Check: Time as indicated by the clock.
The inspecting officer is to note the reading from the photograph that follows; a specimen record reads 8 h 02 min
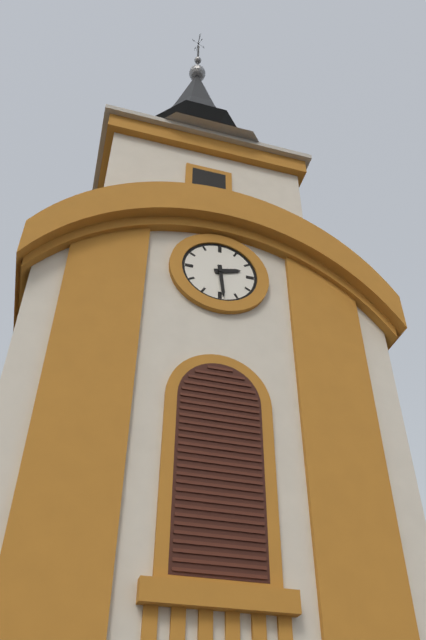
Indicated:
2 h 29 min
